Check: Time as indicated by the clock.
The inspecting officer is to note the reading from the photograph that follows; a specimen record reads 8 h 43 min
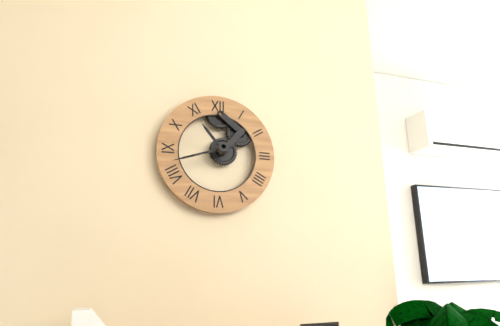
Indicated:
10 h 42 min
